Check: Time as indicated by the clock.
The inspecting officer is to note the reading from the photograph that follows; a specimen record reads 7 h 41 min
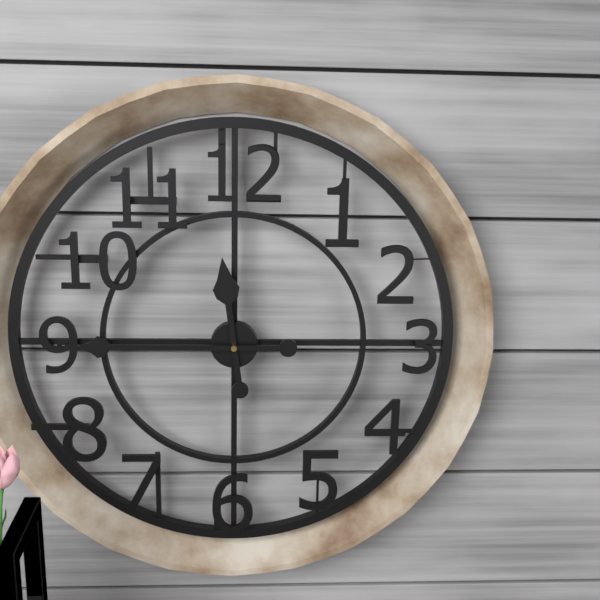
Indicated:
11 h 45 min
